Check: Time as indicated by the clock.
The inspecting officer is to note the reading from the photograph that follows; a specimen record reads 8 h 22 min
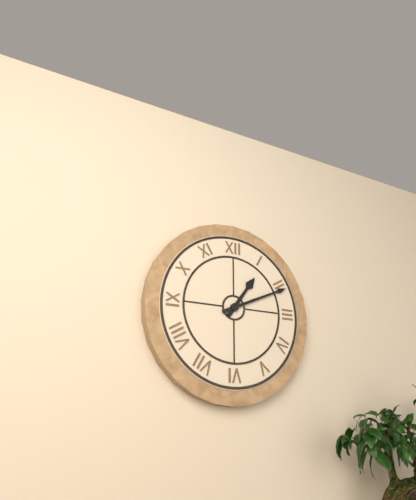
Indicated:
1 h 11 min
